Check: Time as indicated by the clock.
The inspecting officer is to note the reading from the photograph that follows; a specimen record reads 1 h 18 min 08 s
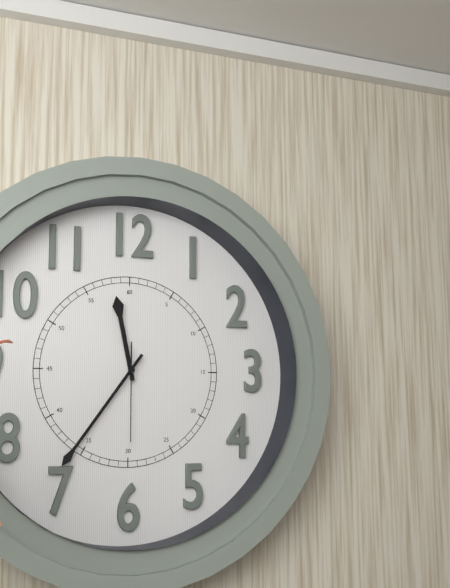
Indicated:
11 h 36 min 30 s
